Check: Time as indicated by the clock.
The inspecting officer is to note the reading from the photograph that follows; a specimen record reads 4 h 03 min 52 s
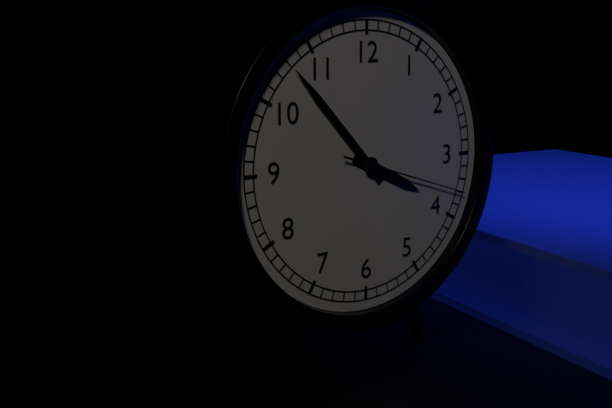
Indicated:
3 h 53 min 18 s
